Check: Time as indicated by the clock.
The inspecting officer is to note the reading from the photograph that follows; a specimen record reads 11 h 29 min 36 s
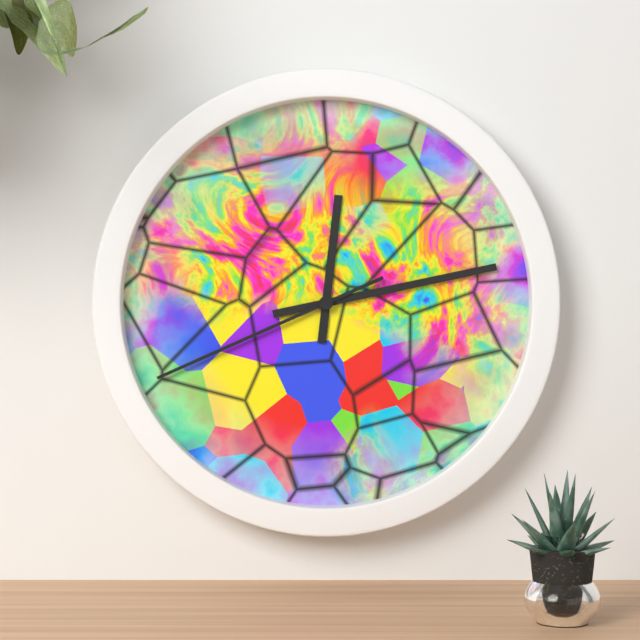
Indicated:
12 h 13 min 41 s
